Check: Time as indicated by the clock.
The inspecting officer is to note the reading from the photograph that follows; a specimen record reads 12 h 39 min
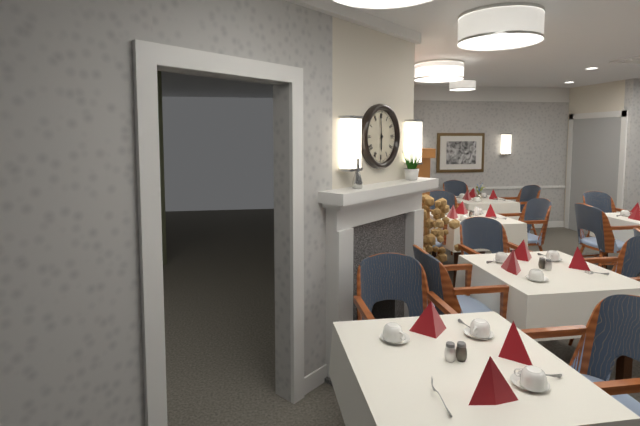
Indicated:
5 h 59 min
